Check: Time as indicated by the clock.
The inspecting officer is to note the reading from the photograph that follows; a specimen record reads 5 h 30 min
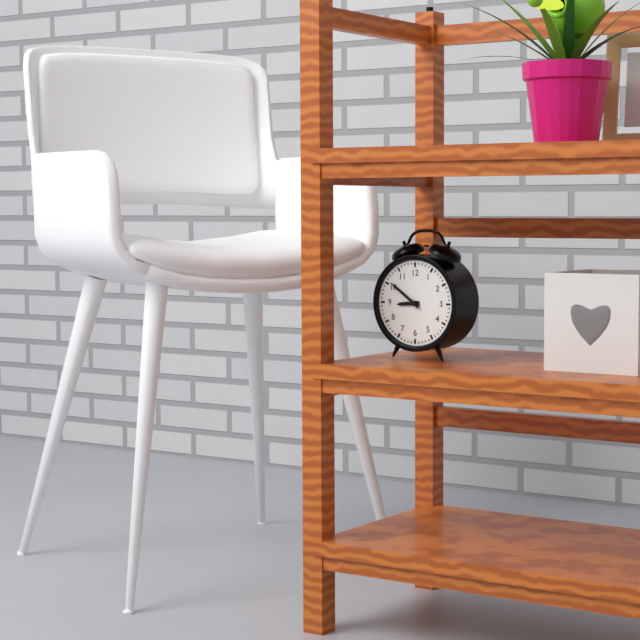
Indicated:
8 h 51 min
